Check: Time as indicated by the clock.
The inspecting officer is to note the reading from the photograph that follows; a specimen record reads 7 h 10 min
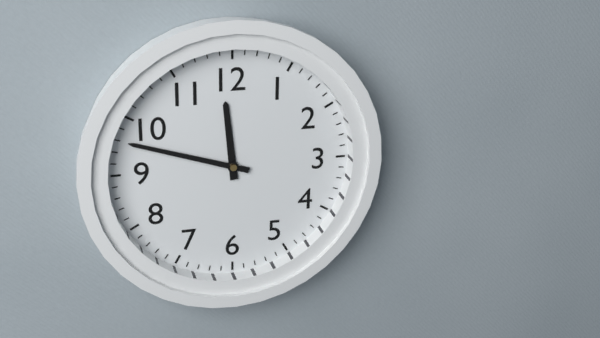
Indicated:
11 h 48 min
